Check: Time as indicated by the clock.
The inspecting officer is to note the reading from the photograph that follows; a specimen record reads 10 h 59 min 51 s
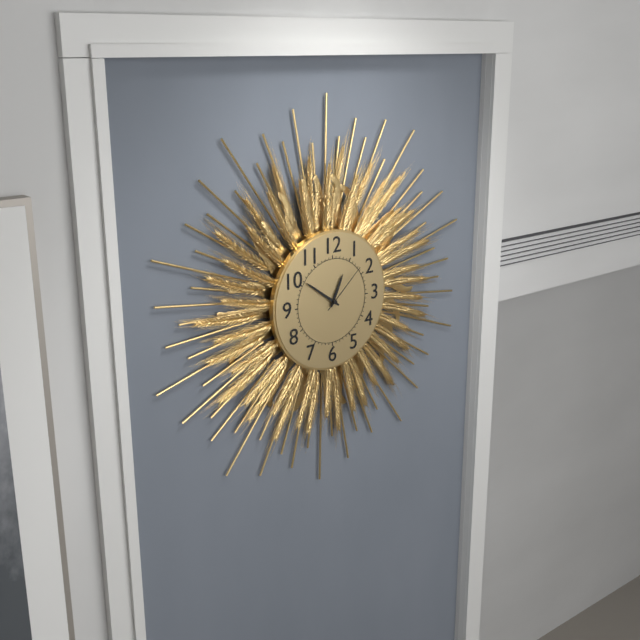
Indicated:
12 h 51 min 08 s
